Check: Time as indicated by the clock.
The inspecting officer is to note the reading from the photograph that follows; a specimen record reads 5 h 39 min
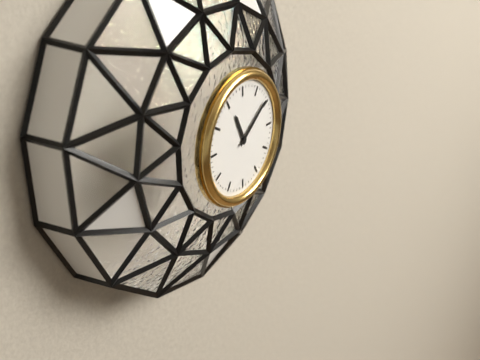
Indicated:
11 h 09 min
